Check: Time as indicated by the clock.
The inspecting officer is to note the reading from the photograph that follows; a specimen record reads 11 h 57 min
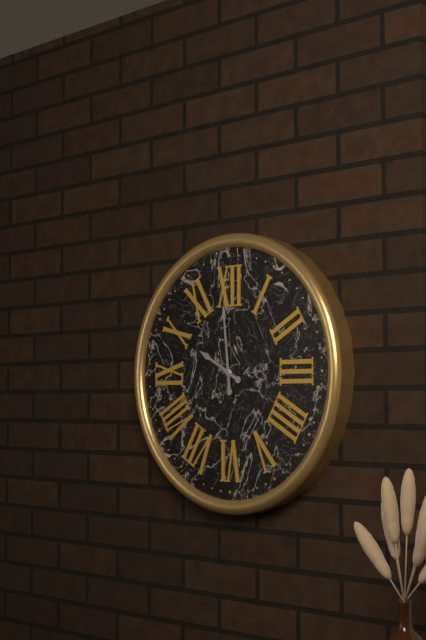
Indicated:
9 h 59 min
